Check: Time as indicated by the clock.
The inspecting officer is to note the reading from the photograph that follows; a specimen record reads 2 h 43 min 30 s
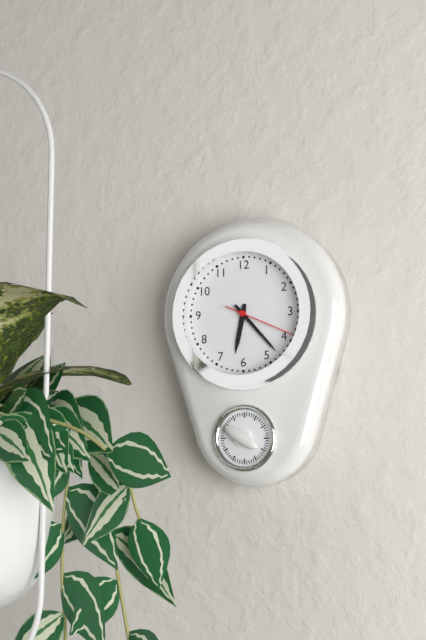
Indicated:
6 h 23 min 19 s
